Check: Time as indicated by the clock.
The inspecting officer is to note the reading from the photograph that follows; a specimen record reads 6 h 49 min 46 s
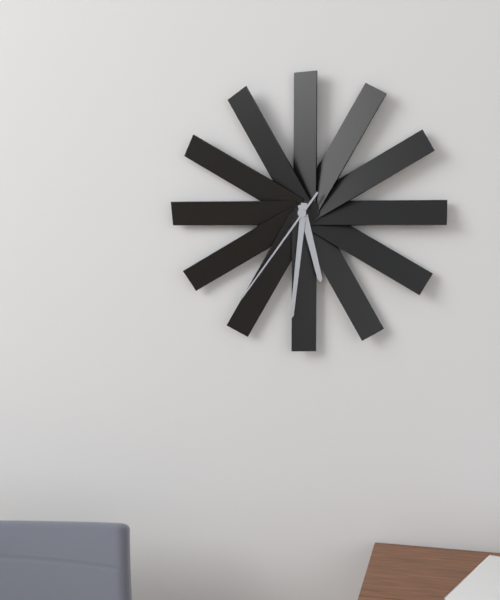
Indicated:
5 h 31 min 36 s
